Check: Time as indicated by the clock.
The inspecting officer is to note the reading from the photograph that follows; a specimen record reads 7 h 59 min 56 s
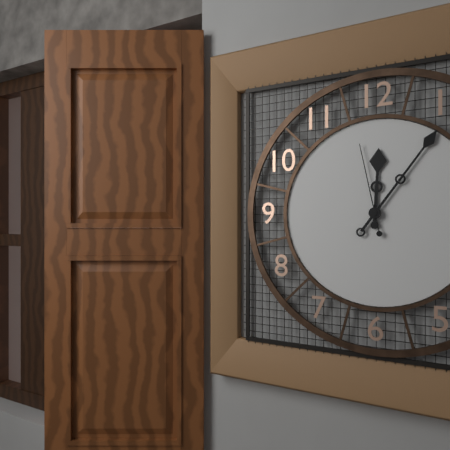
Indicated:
12 h 06 min 58 s
